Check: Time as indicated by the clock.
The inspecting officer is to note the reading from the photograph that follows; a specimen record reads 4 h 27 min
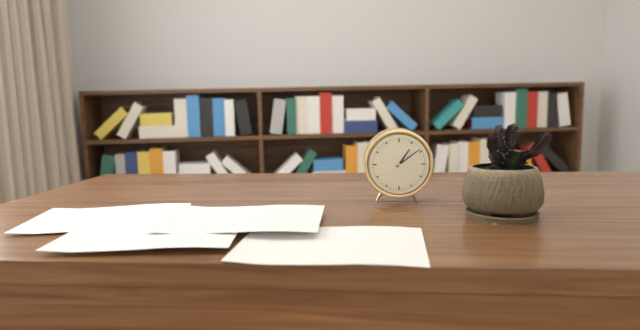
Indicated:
1 h 09 min
